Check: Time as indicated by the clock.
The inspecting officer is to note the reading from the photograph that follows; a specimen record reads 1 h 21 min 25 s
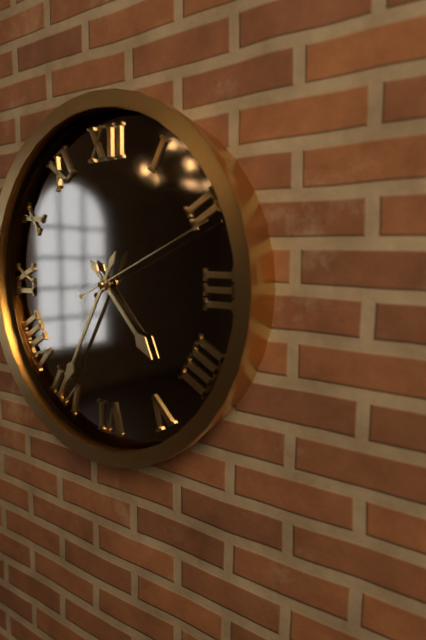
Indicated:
4 h 35 min 11 s
